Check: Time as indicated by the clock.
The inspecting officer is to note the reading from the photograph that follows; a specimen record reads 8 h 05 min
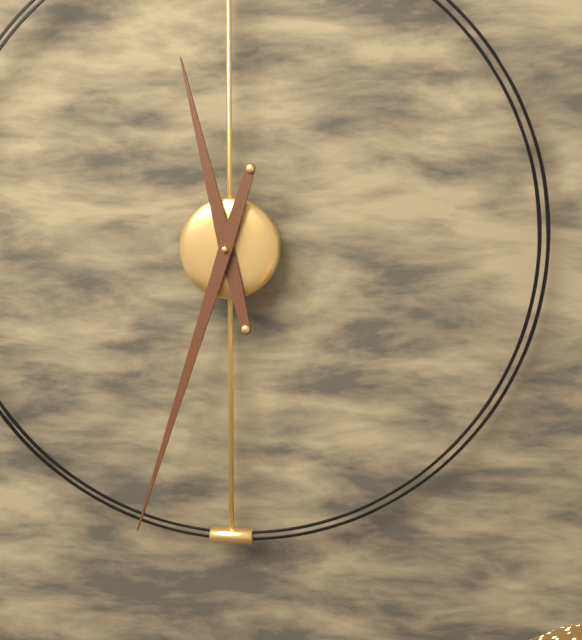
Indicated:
11 h 33 min
